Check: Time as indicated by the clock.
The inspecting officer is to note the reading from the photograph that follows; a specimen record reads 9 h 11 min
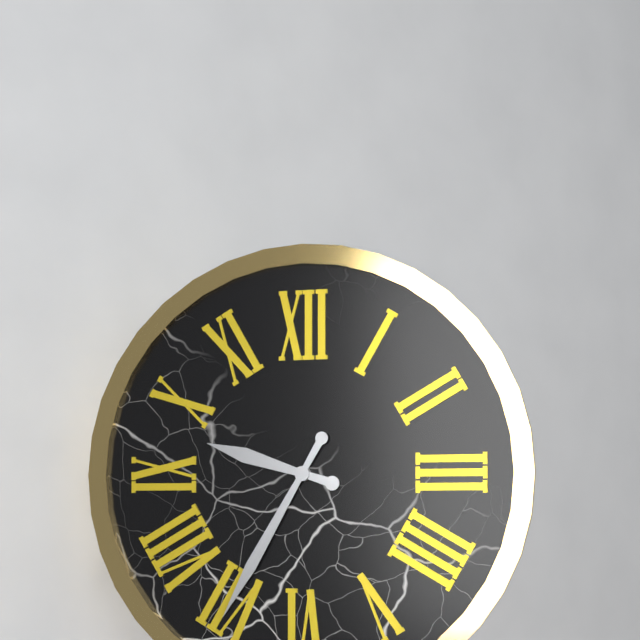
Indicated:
9 h 35 min
